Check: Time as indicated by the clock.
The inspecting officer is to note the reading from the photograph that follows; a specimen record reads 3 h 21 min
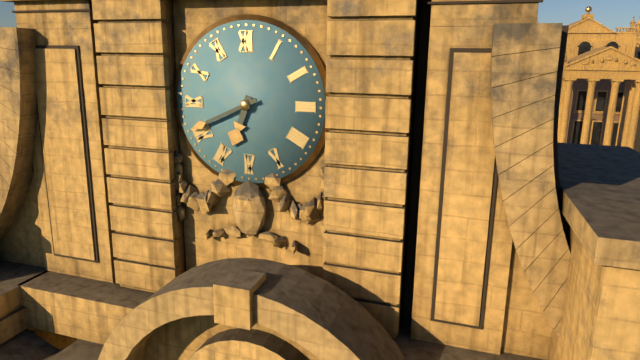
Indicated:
6 h 41 min
